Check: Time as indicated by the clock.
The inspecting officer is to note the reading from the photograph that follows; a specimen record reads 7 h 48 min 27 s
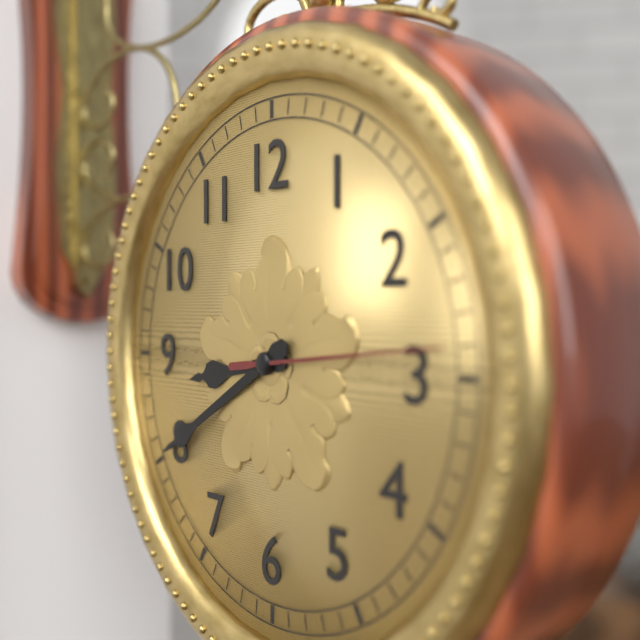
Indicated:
8 h 40 min 14 s
